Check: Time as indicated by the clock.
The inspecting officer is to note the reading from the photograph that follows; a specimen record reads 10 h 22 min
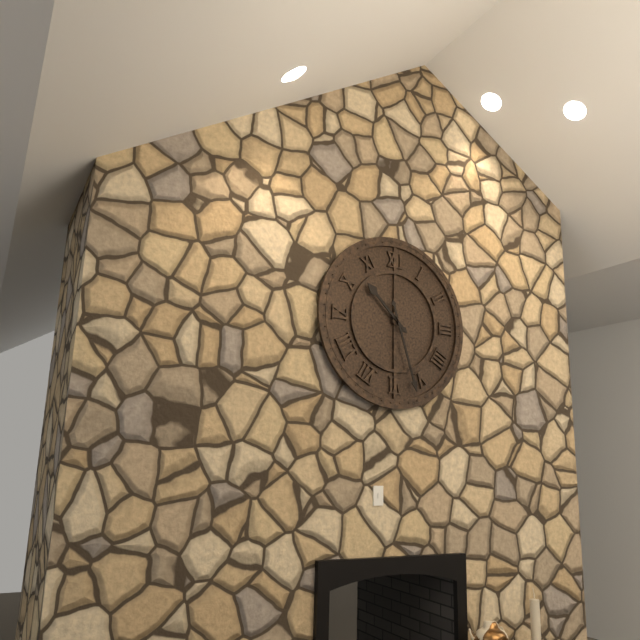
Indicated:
10 h 27 min
